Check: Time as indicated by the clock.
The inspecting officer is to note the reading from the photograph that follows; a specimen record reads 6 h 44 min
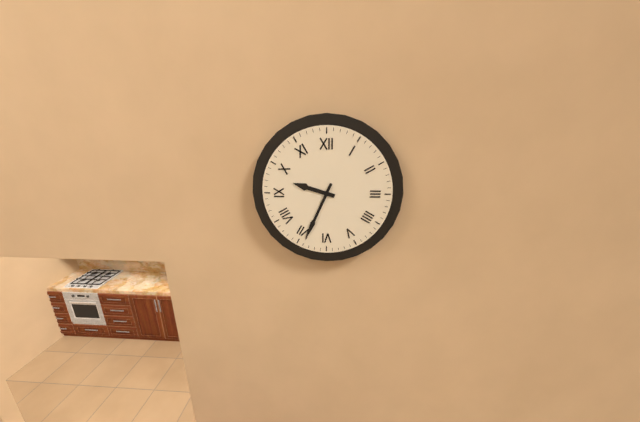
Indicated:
9 h 34 min
